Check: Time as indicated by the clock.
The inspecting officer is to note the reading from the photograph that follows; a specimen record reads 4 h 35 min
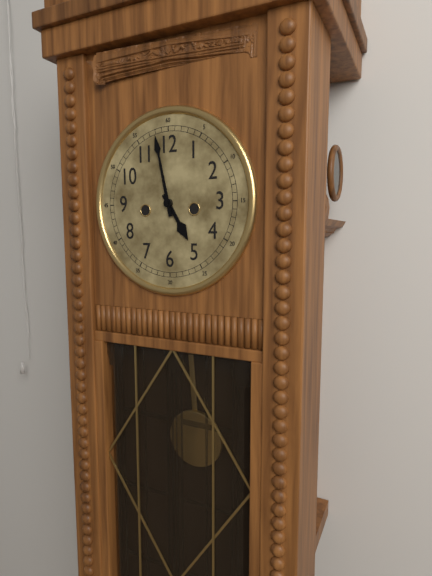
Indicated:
4 h 58 min
